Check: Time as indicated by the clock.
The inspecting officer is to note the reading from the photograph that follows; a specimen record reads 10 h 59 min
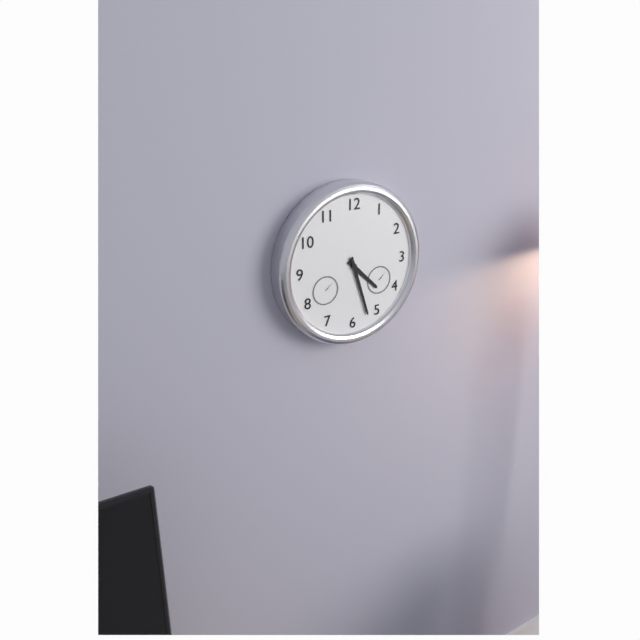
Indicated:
4 h 27 min
